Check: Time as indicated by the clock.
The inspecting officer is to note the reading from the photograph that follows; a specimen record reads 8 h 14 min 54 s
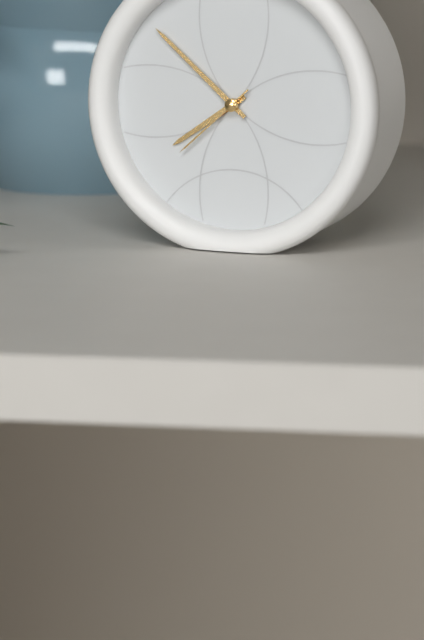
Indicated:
7 h 52 min 38 s
